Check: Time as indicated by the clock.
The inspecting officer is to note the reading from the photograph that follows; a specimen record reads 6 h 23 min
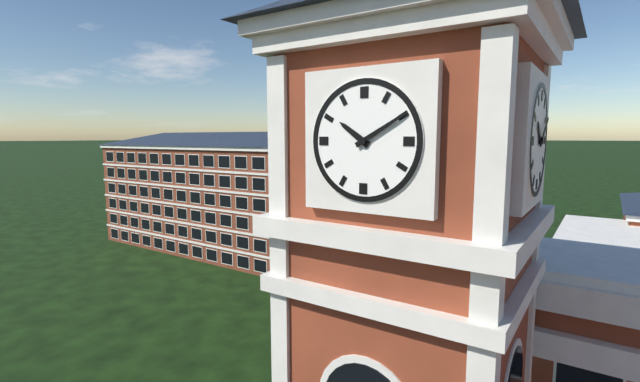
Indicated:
10 h 10 min
